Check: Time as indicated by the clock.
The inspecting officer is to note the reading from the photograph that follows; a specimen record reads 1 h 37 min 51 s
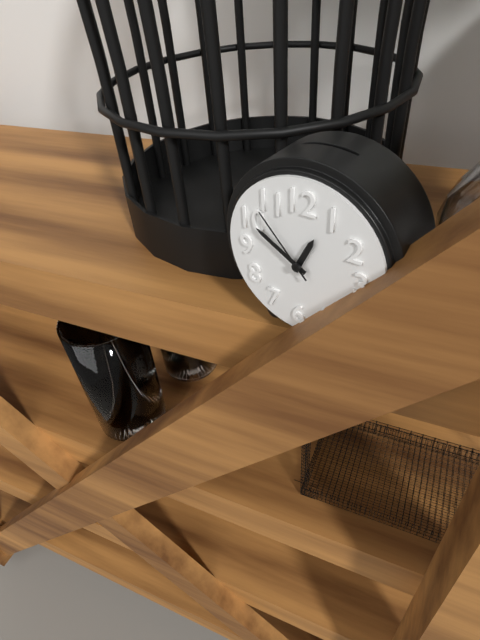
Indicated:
12 h 50 min 53 s
